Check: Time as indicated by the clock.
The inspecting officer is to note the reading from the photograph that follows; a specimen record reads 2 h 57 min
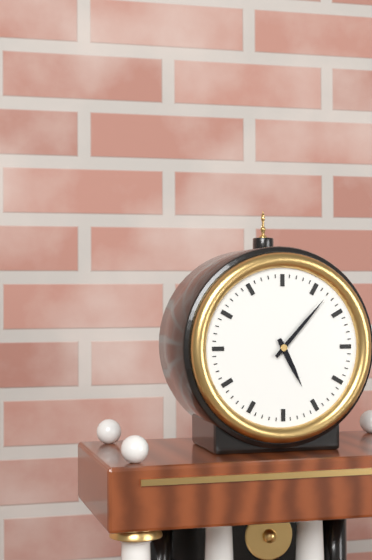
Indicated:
5 h 07 min
